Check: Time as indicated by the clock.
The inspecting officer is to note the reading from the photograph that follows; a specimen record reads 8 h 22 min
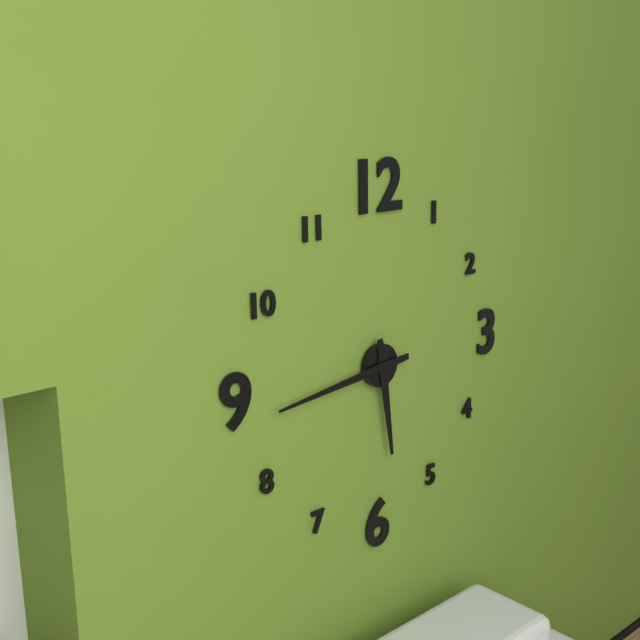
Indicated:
5 h 44 min
